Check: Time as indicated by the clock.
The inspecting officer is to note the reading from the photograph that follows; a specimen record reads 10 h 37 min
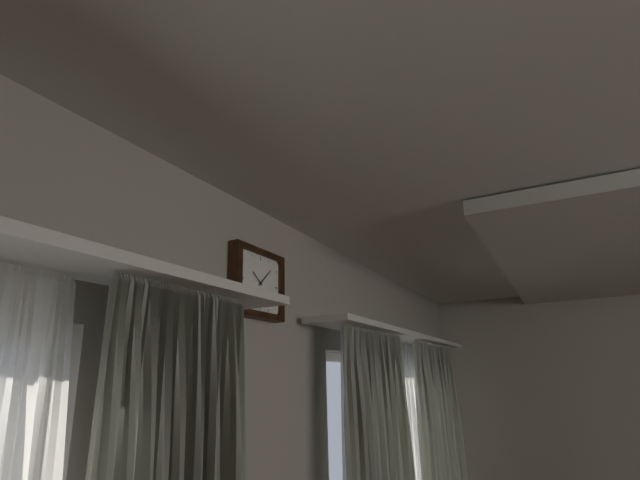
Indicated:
10 h 08 min
